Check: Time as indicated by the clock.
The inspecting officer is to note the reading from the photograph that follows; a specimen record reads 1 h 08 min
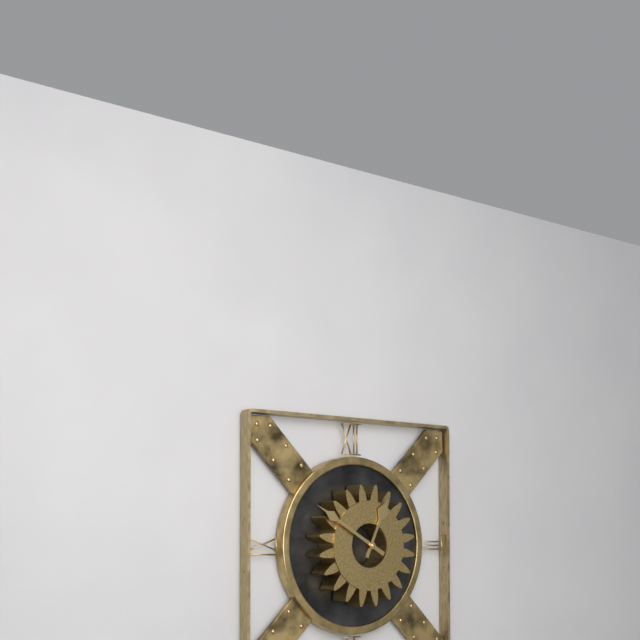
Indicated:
12 h 50 min
